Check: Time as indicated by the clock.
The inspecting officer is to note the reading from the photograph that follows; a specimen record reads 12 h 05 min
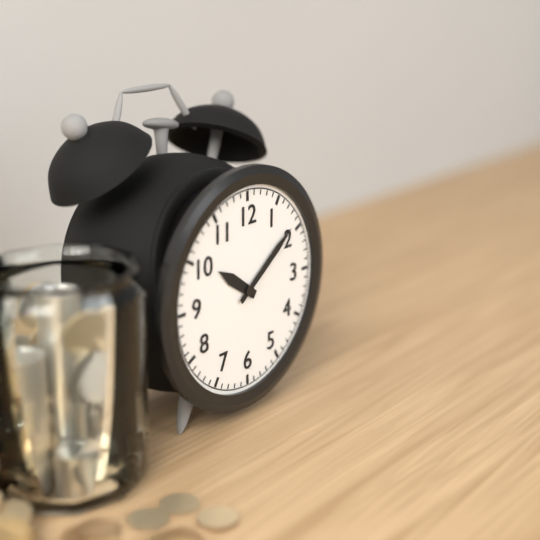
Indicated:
10 h 09 min
